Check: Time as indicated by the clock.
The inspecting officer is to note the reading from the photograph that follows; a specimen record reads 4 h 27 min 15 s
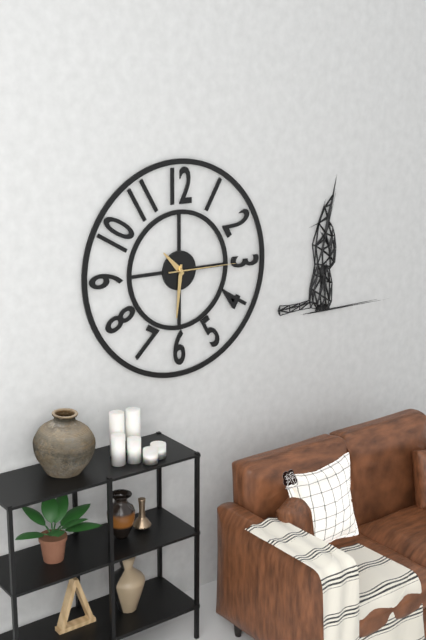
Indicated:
10 h 31 min 15 s
